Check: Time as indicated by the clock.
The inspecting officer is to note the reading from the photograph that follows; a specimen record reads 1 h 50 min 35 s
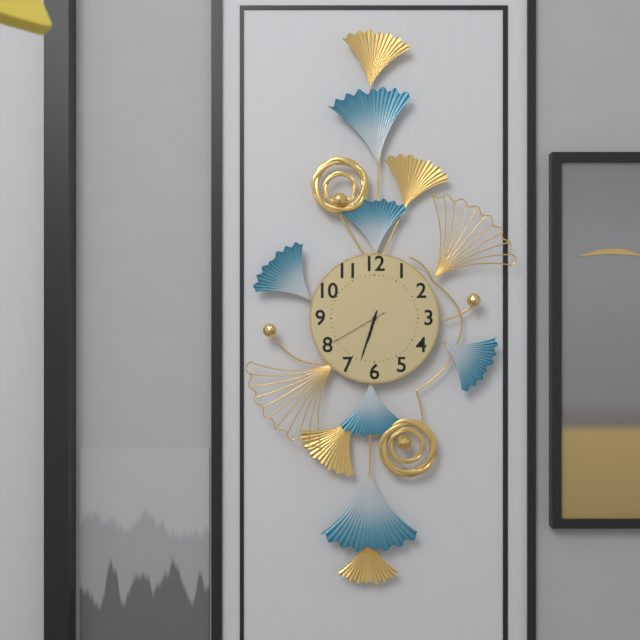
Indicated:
6 h 33 min 40 s
